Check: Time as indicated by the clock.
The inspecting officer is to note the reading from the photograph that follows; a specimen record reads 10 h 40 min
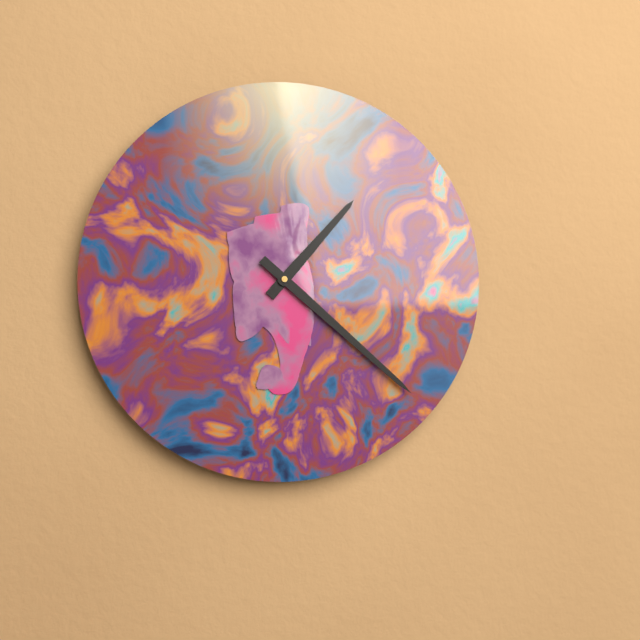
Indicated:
1 h 22 min
